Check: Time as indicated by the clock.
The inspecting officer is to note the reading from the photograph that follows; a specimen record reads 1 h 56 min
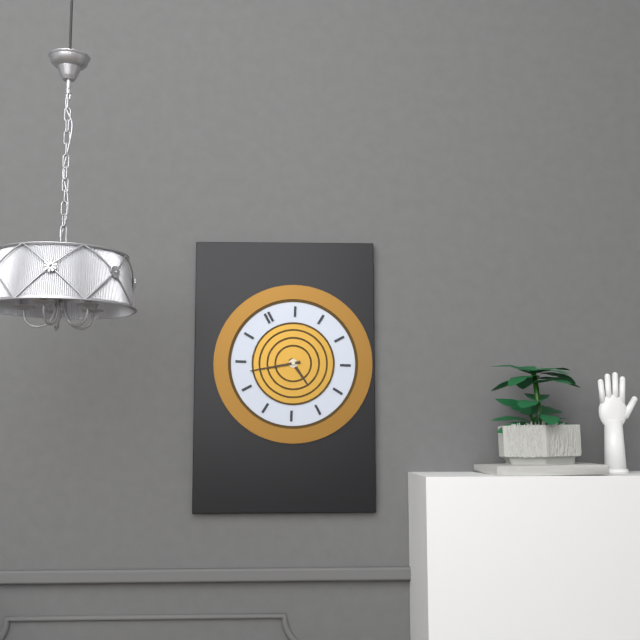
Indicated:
5 h 48 min
